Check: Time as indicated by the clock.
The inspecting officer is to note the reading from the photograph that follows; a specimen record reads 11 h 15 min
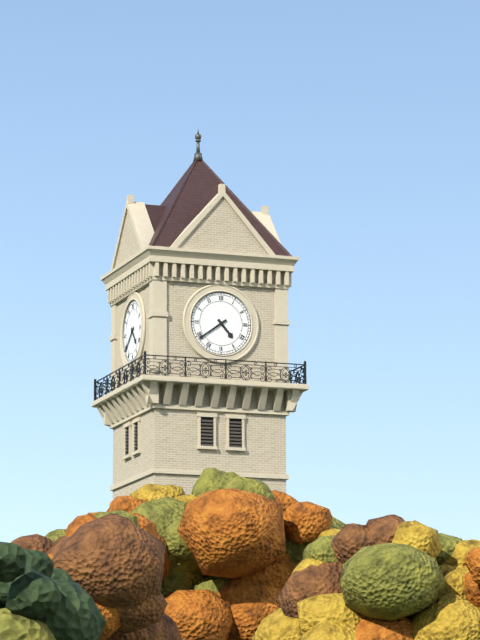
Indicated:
4 h 39 min
